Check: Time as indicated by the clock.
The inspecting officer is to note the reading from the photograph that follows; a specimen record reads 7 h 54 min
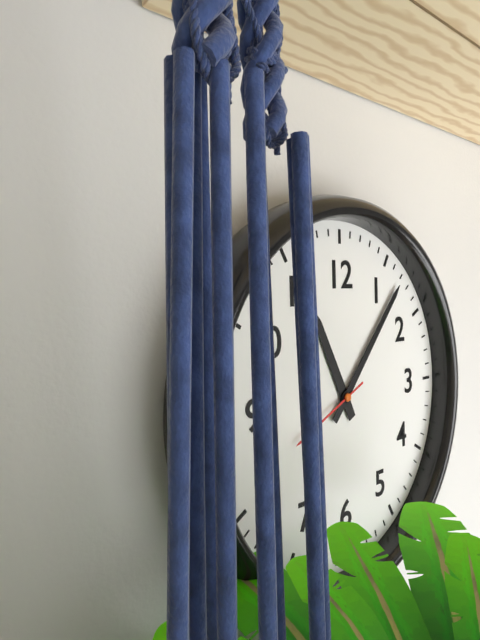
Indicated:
11 h 07 min
